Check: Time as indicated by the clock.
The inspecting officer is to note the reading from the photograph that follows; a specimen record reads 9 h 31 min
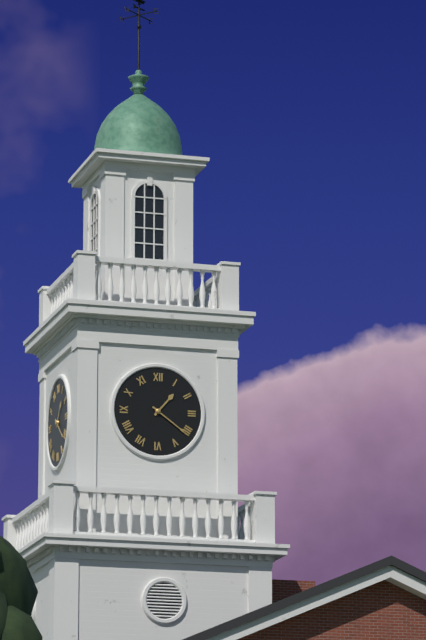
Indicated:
1 h 21 min
